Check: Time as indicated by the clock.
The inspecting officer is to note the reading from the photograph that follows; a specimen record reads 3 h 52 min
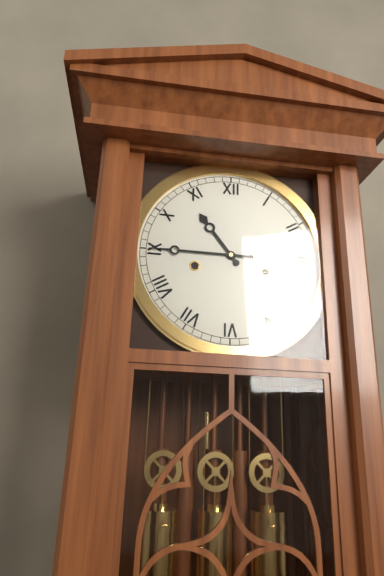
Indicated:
10 h 45 min
